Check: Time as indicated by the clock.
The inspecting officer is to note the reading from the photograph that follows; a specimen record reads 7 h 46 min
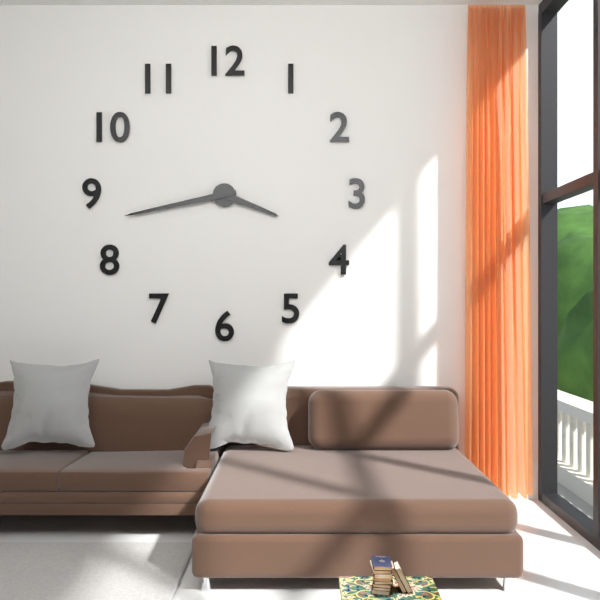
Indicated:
3 h 43 min
